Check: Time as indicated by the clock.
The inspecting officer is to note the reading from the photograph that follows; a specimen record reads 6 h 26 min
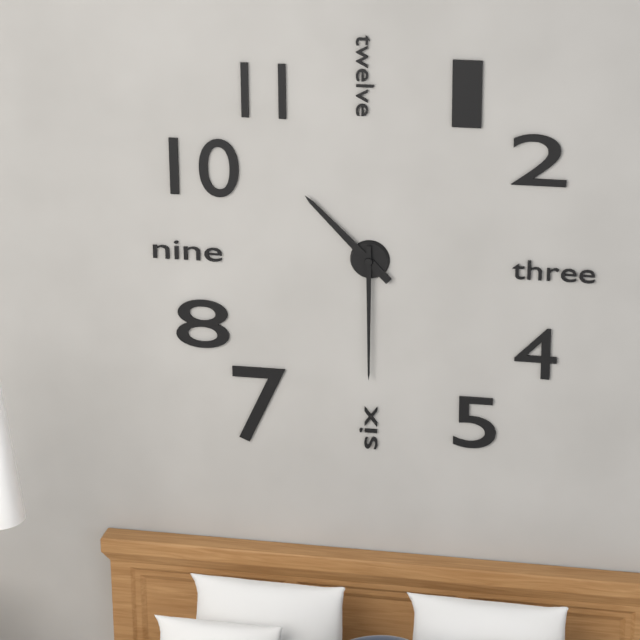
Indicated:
10 h 30 min
